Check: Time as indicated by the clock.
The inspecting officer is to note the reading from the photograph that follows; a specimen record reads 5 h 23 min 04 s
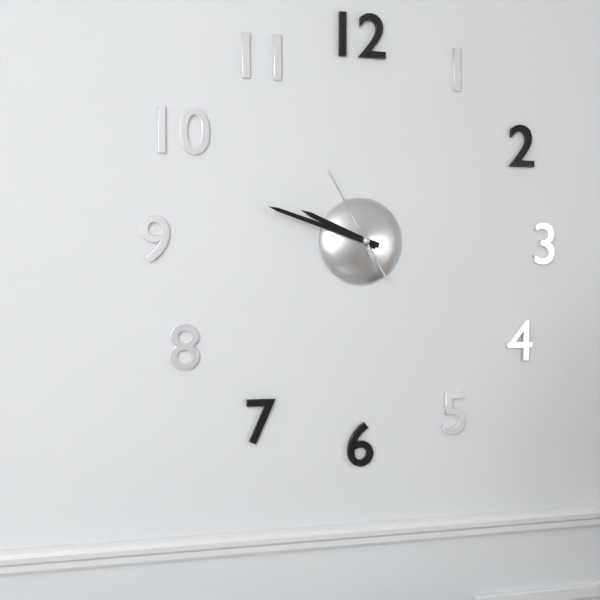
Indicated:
9 h 48 min 55 s
